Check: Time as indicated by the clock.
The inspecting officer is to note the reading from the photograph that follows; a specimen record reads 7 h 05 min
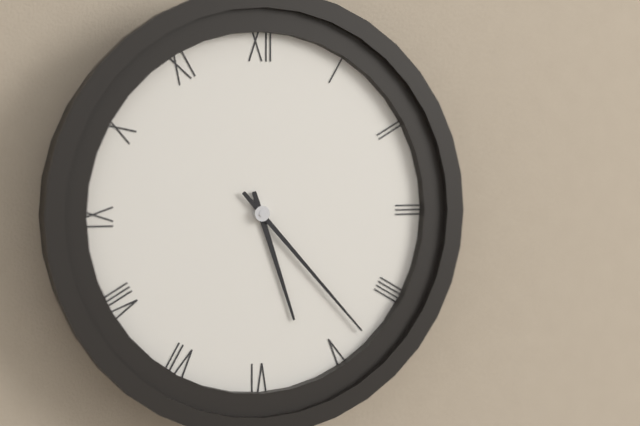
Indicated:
5 h 23 min
